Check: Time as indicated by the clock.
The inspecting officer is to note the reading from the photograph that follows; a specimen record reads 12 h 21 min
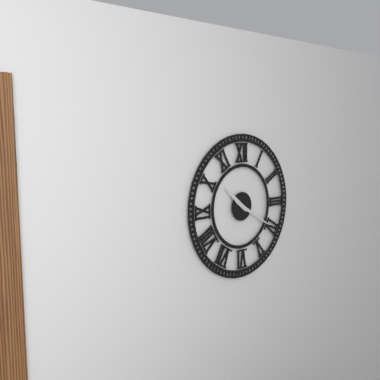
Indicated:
10 h 20 min
